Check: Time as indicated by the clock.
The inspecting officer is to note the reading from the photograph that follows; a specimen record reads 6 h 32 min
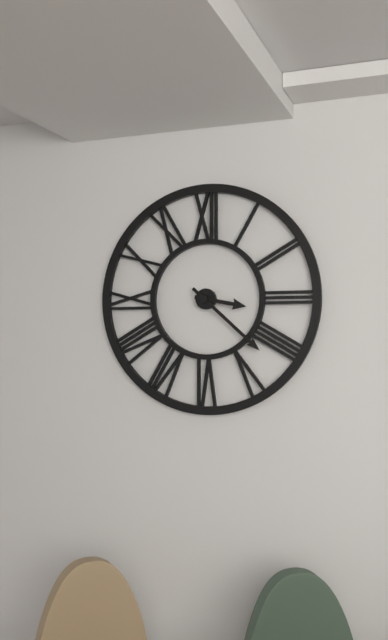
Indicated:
3 h 22 min
